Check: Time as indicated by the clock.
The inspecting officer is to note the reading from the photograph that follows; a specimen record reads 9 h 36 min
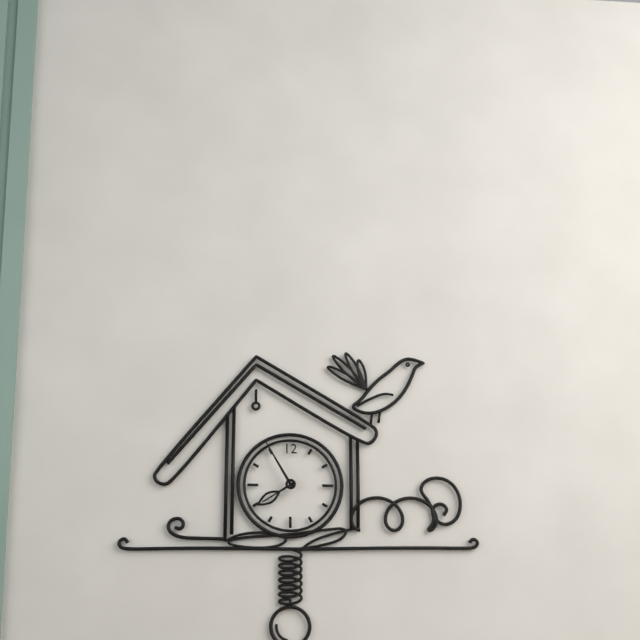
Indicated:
7 h 55 min
